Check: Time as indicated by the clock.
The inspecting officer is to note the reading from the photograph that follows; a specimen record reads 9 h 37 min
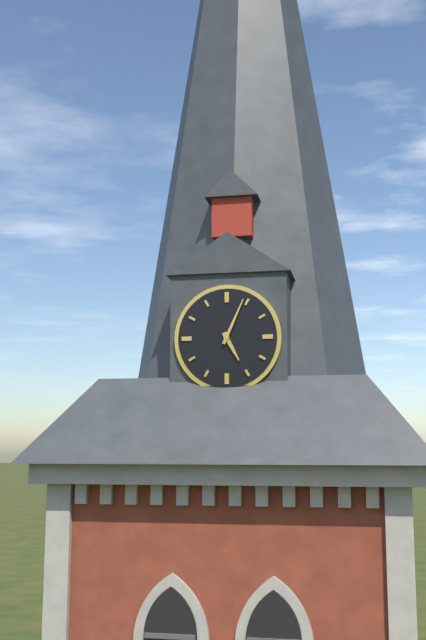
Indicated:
5 h 04 min
